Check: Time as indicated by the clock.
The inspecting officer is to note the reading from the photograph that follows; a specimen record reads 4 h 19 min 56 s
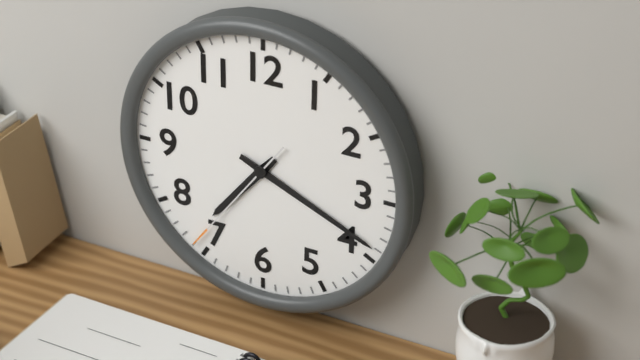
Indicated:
7 h 19 min 36 s
